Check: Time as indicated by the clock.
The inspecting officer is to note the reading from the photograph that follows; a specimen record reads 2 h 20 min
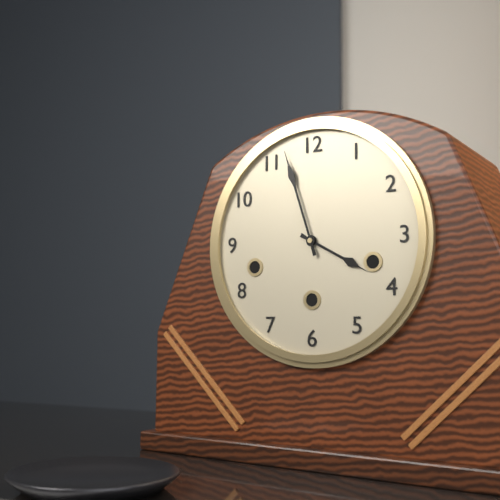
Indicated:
3 h 57 min
